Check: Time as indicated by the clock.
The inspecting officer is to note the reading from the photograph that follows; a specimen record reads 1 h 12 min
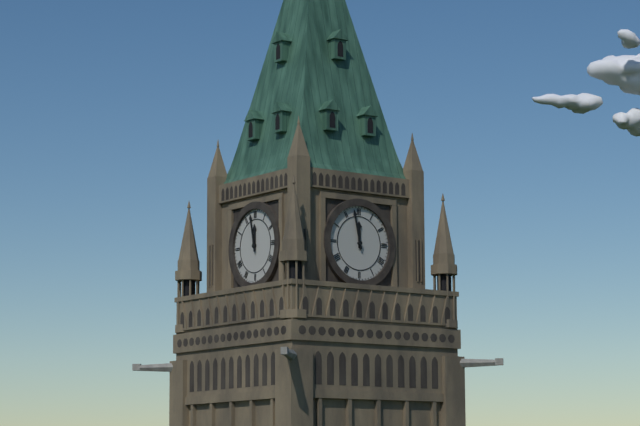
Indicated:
11 h 58 min
